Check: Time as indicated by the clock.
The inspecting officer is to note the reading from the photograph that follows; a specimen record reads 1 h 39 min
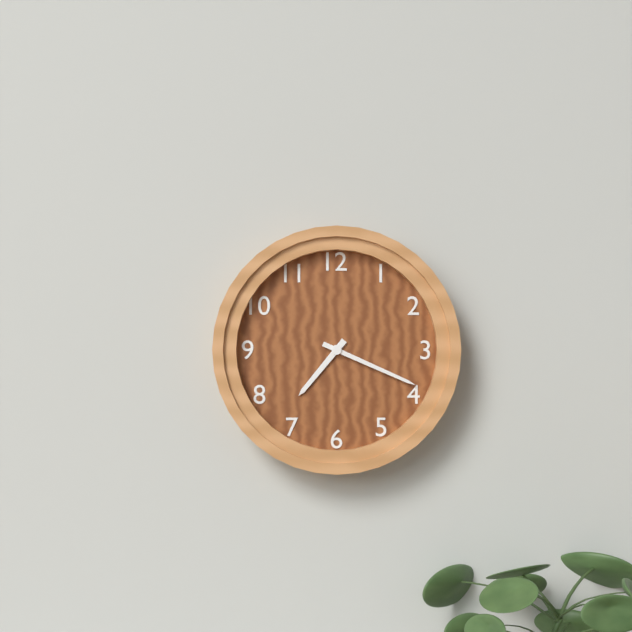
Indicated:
7 h 19 min
